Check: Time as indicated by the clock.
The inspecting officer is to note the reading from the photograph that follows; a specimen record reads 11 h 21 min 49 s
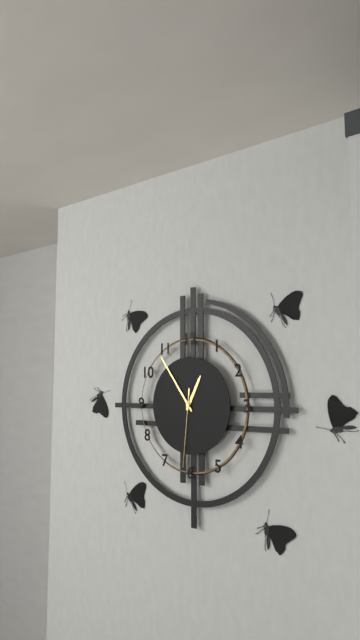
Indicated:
12 h 54 min 31 s
